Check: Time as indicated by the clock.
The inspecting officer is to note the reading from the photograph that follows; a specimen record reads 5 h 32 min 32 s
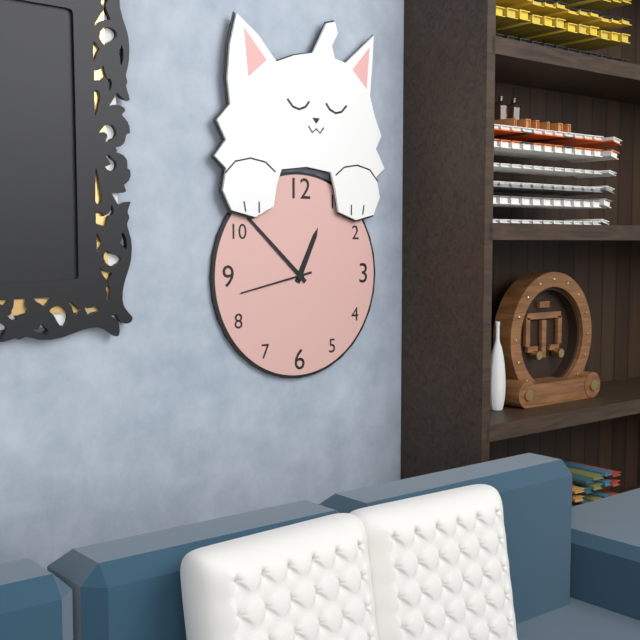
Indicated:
12 h 52 min 43 s
